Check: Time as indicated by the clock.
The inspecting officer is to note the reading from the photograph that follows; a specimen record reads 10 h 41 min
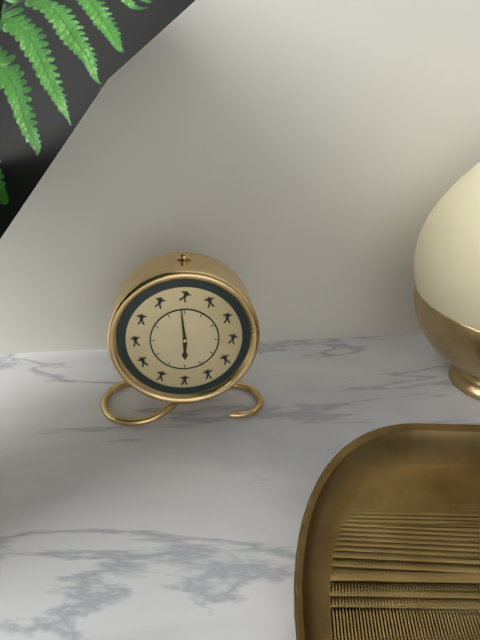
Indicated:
5 h 59 min
